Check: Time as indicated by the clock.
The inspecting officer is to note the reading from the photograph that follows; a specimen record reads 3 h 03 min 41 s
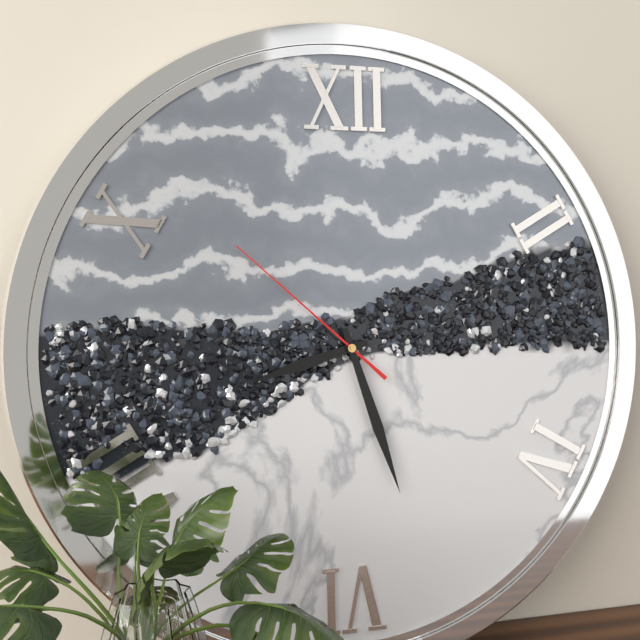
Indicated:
8 h 27 min 52 s
